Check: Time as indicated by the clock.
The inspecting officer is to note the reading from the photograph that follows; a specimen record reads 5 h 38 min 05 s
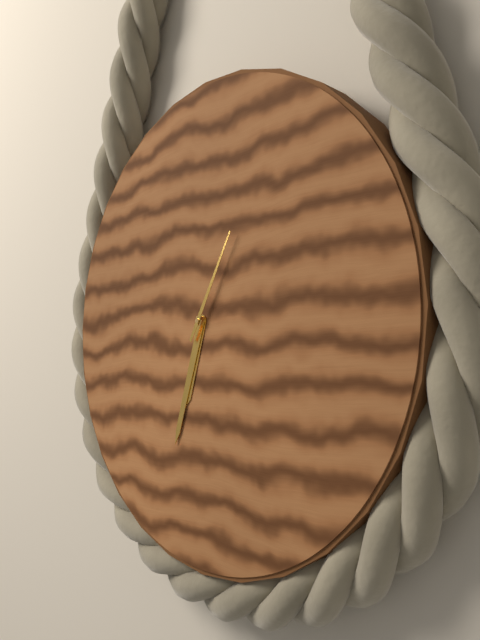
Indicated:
6 h 33 min 05 s
